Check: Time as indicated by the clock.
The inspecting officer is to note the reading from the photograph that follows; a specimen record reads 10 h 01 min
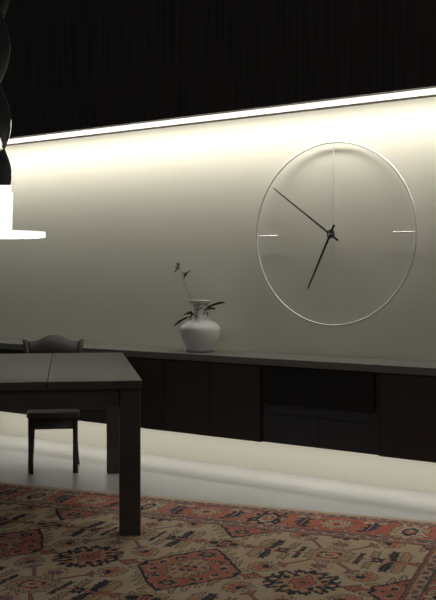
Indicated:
6 h 51 min
